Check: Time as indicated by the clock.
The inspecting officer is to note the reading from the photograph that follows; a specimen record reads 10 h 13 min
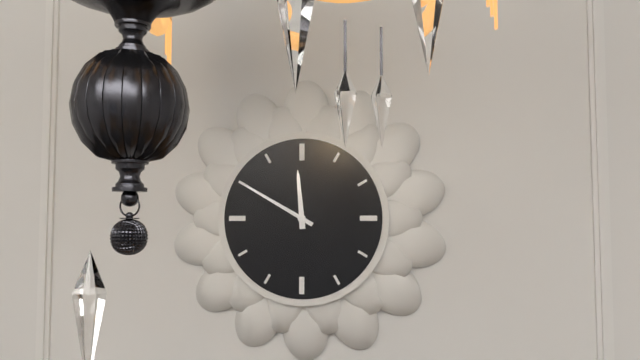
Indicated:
11 h 50 min
